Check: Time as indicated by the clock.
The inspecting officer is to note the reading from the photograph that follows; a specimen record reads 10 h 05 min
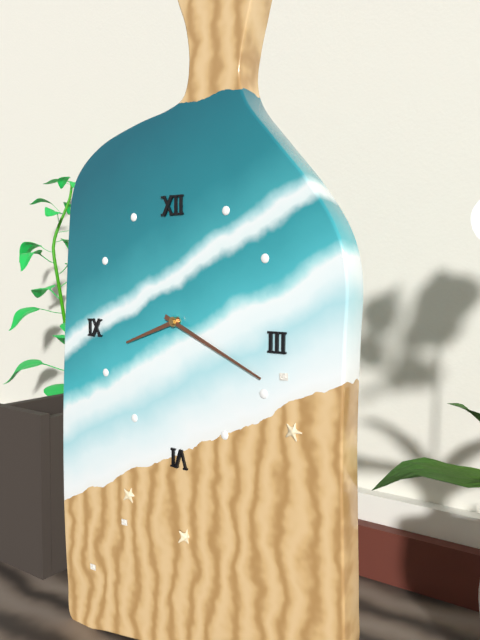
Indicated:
8 h 19 min
